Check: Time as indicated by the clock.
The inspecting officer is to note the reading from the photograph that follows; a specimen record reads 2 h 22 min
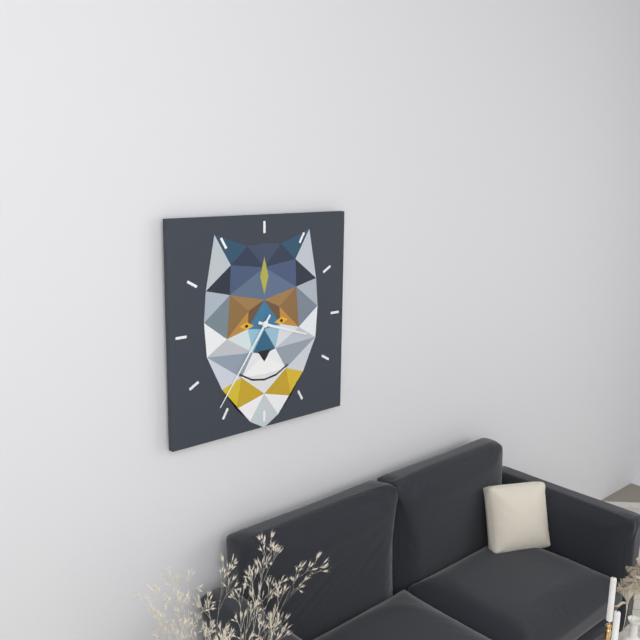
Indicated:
3 h 36 min
